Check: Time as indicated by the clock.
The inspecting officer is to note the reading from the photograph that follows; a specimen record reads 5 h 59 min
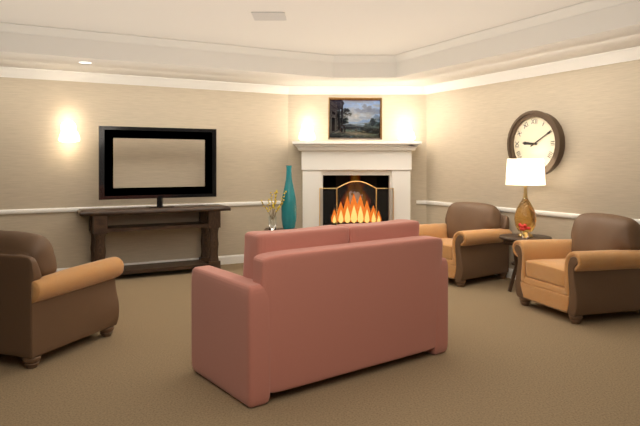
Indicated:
9 h 10 min
